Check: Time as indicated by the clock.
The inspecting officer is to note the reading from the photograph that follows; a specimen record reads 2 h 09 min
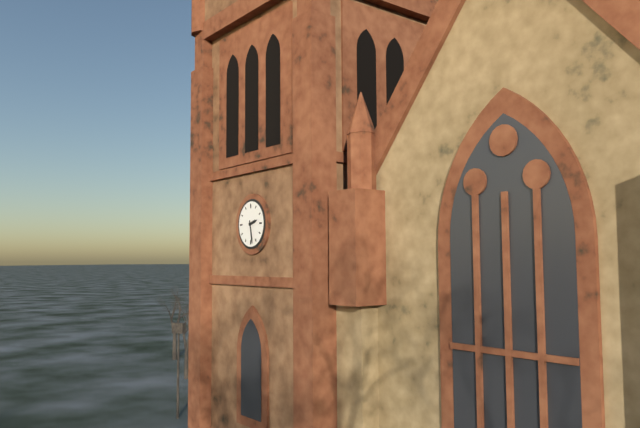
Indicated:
2 h 28 min
